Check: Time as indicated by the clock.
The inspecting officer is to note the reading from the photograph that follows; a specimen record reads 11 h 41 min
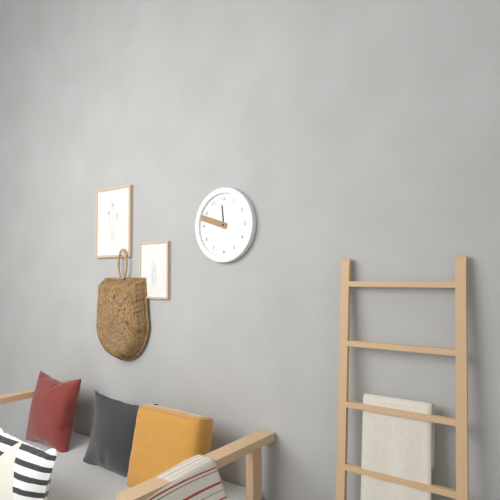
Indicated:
11 h 48 min
